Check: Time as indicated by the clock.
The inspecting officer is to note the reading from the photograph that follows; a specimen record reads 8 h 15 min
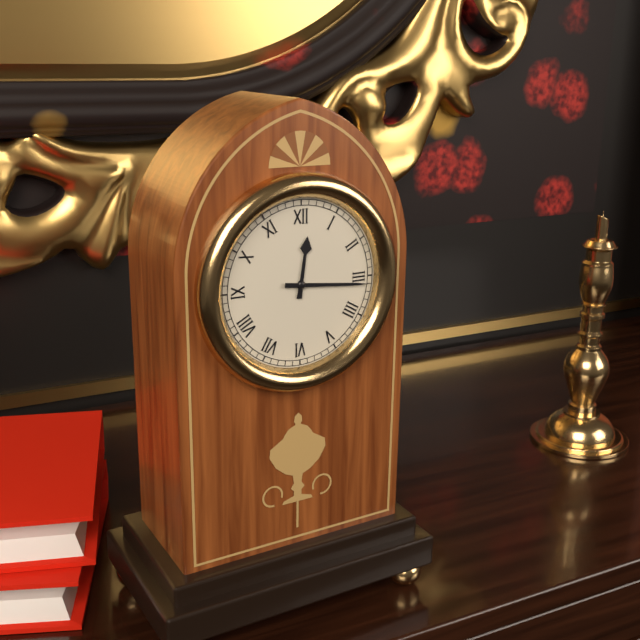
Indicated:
12 h 16 min
